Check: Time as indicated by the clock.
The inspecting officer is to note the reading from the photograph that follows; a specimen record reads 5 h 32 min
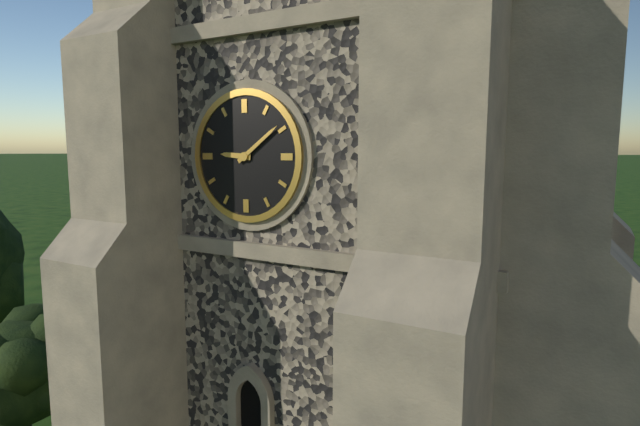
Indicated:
9 h 09 min
